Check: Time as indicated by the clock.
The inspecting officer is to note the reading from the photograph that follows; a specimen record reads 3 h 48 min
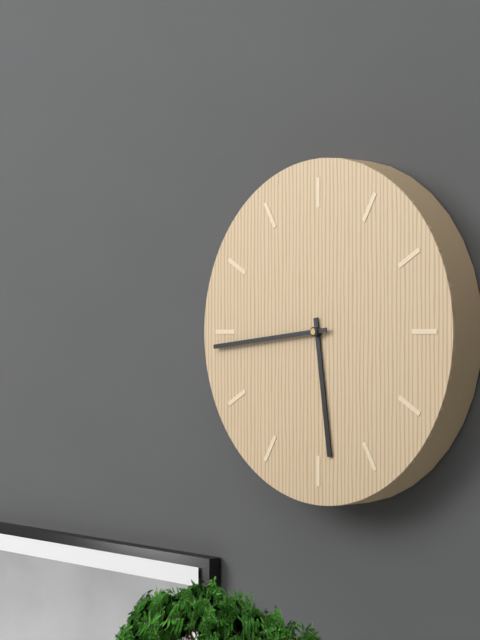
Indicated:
5 h 44 min
